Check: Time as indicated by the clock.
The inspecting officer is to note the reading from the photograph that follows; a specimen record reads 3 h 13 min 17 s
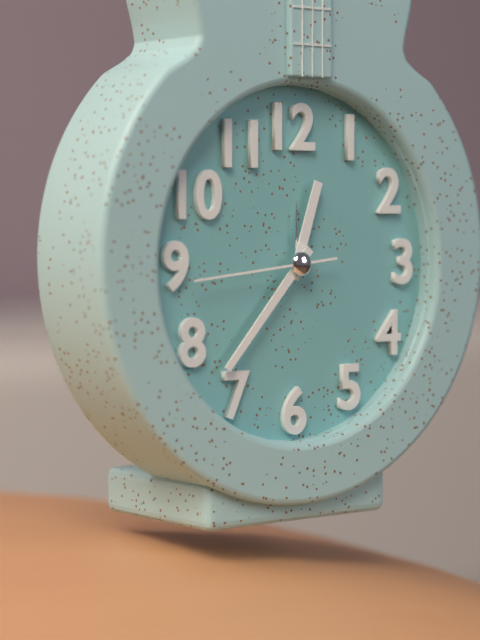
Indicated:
12 h 37 min 44 s
